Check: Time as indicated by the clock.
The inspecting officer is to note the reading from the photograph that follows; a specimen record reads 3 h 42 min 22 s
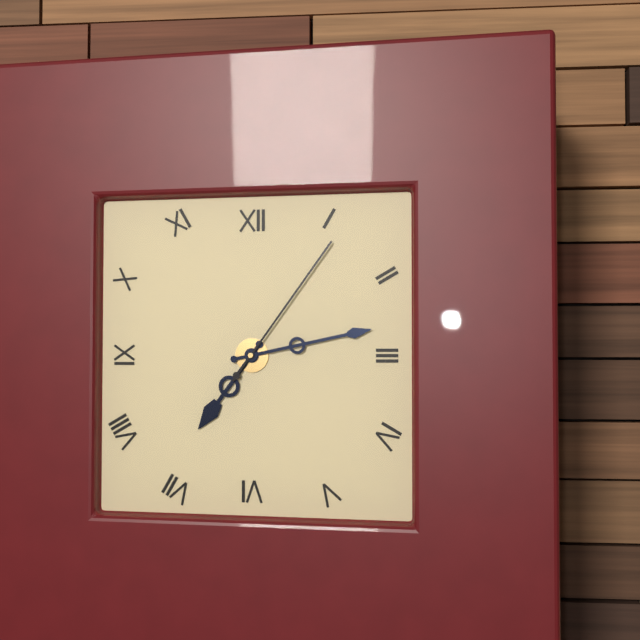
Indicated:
7 h 13 min 06 s
